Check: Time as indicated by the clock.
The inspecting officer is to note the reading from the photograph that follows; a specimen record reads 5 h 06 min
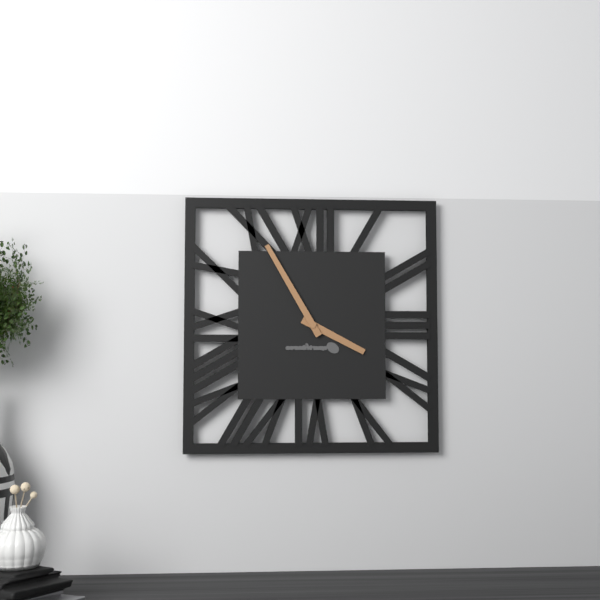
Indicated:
3 h 55 min
